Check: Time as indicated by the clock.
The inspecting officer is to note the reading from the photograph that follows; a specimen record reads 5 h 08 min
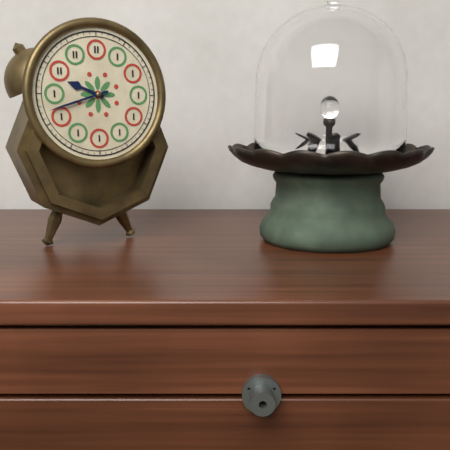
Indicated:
9 h 42 min
